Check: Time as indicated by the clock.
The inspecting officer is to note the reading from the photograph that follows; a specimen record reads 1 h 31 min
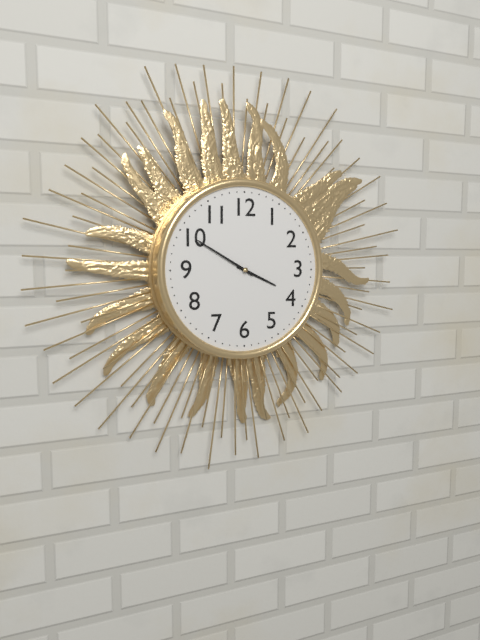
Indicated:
3 h 50 min
